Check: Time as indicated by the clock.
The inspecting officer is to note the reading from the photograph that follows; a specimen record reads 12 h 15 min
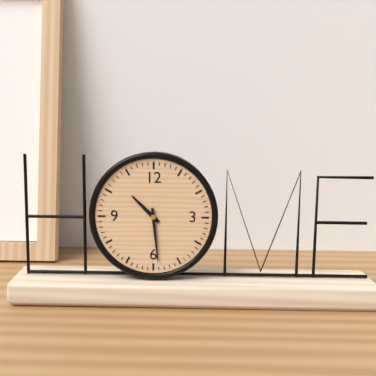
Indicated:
10 h 29 min
